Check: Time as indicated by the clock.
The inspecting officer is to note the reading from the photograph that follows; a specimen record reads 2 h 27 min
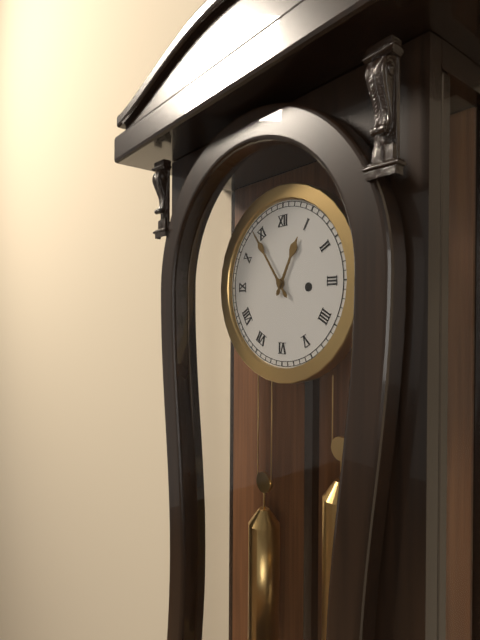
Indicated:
12 h 54 min
